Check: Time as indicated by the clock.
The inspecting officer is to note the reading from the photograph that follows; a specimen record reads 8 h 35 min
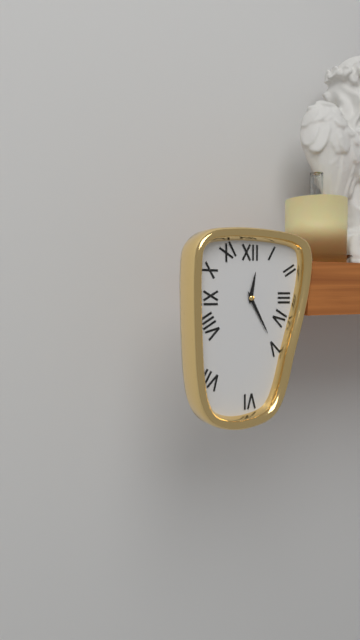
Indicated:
12 h 25 min
